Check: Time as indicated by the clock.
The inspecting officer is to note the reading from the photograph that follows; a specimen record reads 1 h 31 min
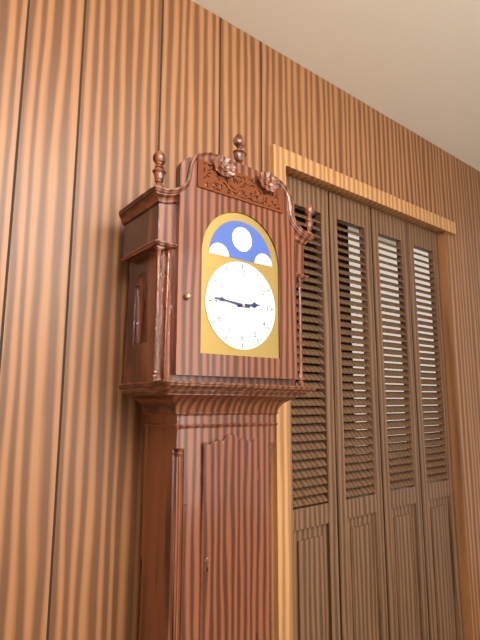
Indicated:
2 h 46 min
